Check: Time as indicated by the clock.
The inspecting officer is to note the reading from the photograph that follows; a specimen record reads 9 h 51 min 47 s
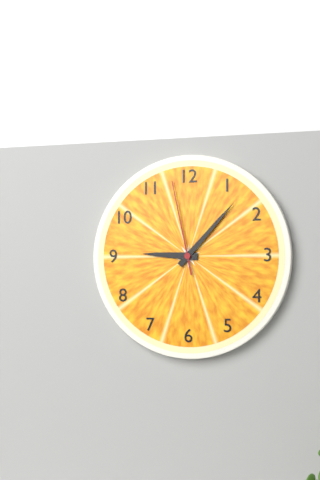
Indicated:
9 h 07 min 58 s
